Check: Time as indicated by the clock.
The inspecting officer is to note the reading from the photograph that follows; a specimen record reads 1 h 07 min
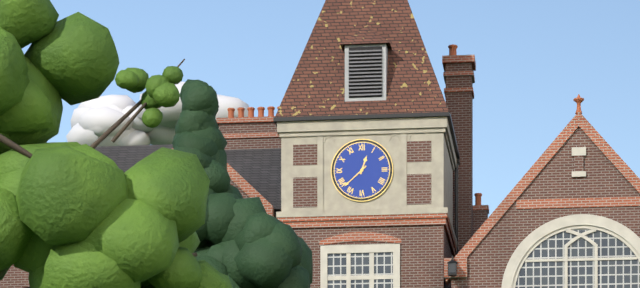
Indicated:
12 h 38 min
